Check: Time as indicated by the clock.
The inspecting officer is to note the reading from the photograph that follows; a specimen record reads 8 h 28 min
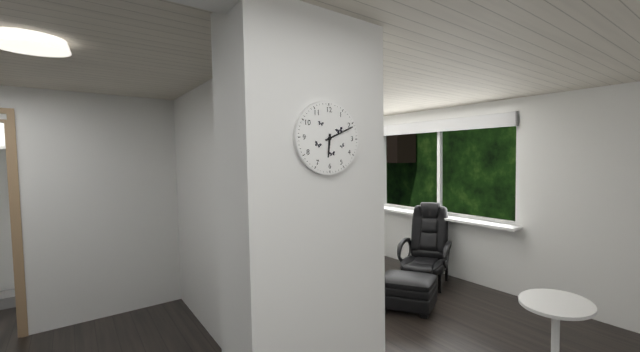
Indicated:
6 h 11 min
